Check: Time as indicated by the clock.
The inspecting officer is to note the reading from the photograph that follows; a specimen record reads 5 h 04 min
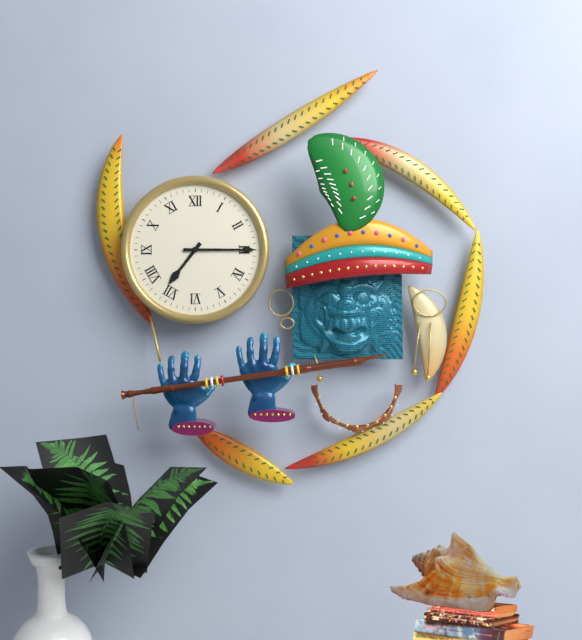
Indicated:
7 h 15 min
